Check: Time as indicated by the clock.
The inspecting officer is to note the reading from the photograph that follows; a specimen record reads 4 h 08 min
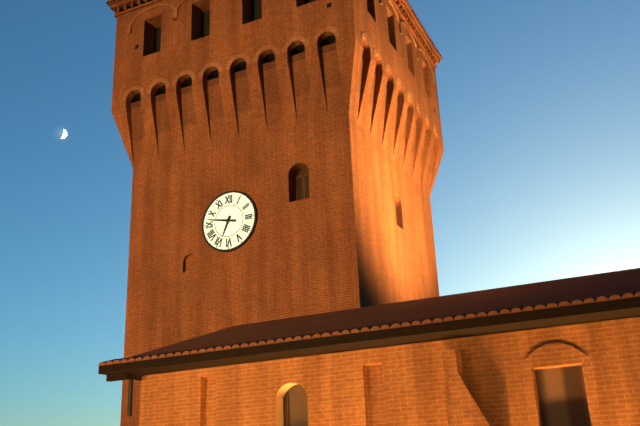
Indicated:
6 h 47 min
